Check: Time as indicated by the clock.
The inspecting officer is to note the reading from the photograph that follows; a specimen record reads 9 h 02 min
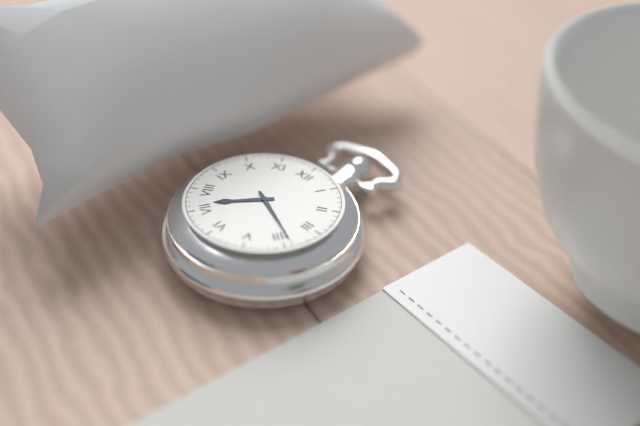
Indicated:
7 h 19 min
